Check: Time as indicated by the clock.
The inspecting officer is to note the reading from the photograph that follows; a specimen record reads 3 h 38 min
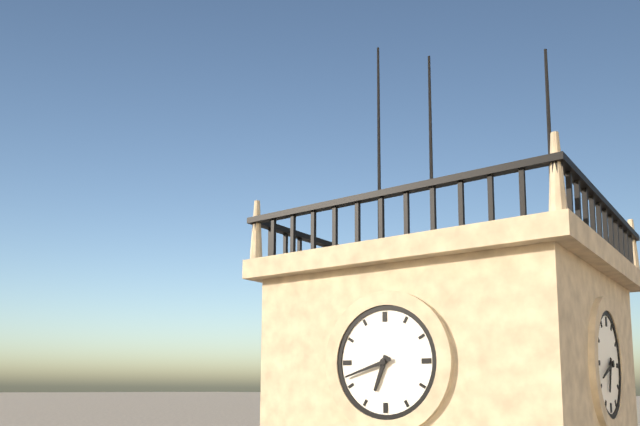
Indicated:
6 h 42 min
